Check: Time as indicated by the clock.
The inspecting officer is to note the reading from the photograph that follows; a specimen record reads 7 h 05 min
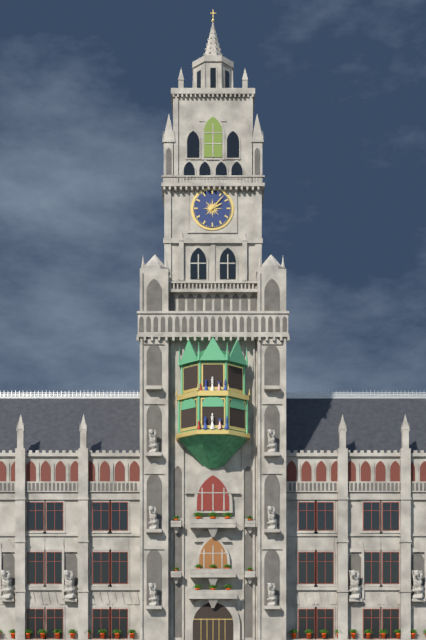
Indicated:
2 h 07 min
